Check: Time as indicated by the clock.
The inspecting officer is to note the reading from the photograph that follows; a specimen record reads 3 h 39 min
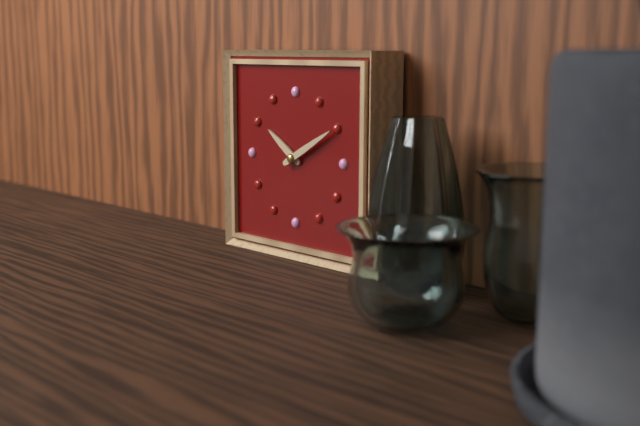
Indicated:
10 h 10 min
